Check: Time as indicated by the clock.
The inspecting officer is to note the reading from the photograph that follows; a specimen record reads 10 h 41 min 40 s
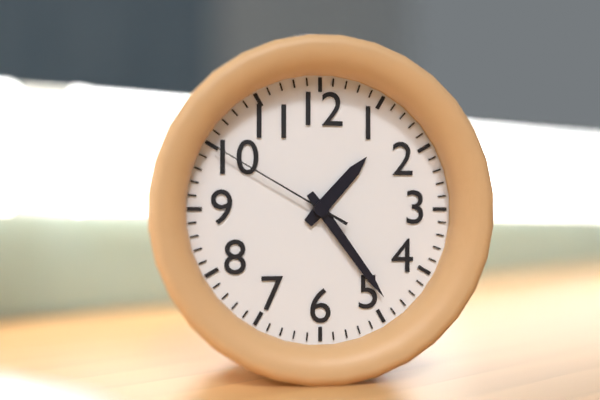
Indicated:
1 h 24 min 50 s
